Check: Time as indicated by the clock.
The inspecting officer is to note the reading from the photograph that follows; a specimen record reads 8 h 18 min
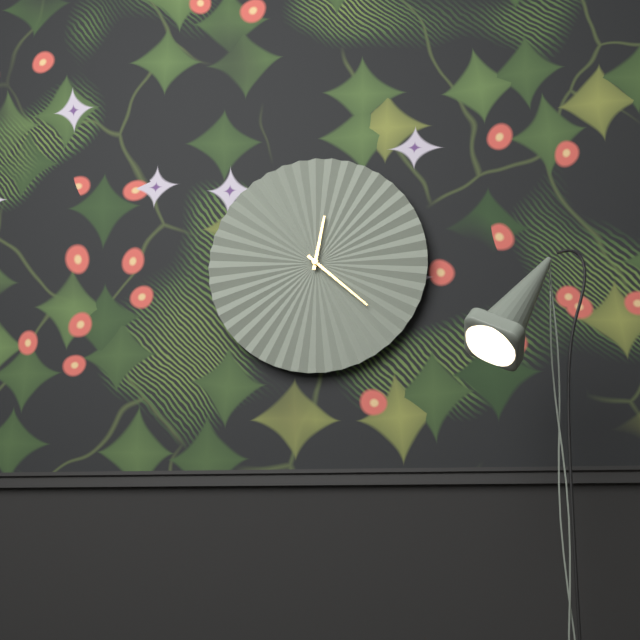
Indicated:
12 h 22 min
